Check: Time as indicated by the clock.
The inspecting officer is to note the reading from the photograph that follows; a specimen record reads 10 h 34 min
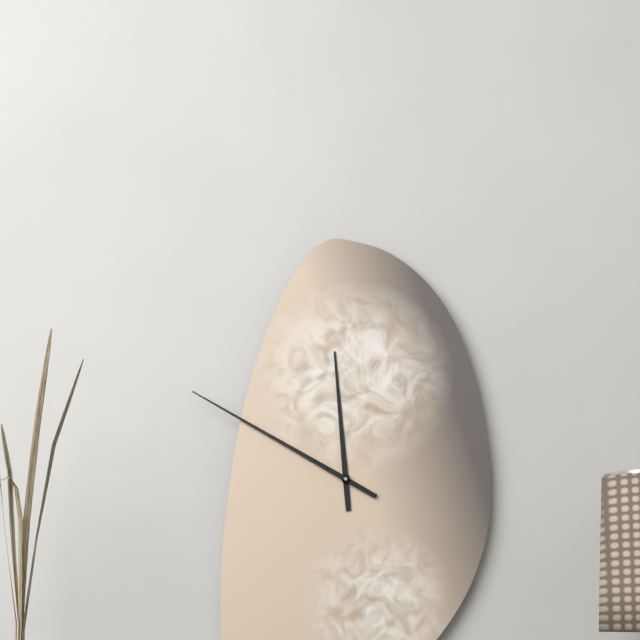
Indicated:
11 h 50 min
